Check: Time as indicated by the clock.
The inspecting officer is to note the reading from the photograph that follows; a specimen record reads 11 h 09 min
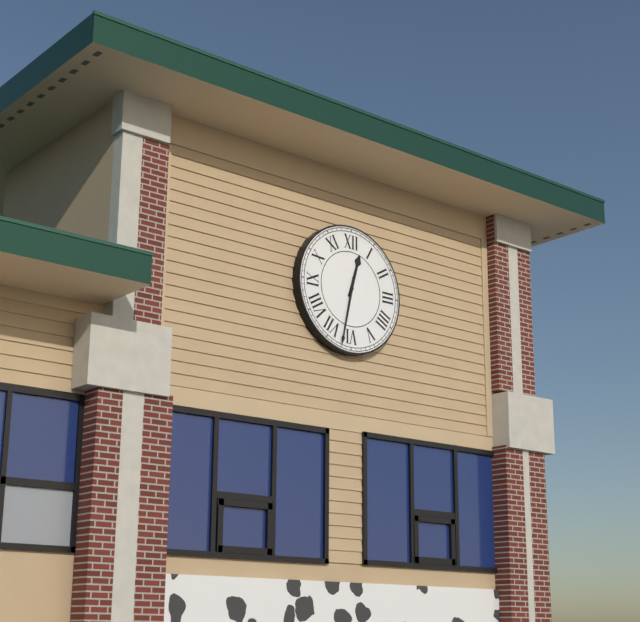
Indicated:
12 h 32 min
